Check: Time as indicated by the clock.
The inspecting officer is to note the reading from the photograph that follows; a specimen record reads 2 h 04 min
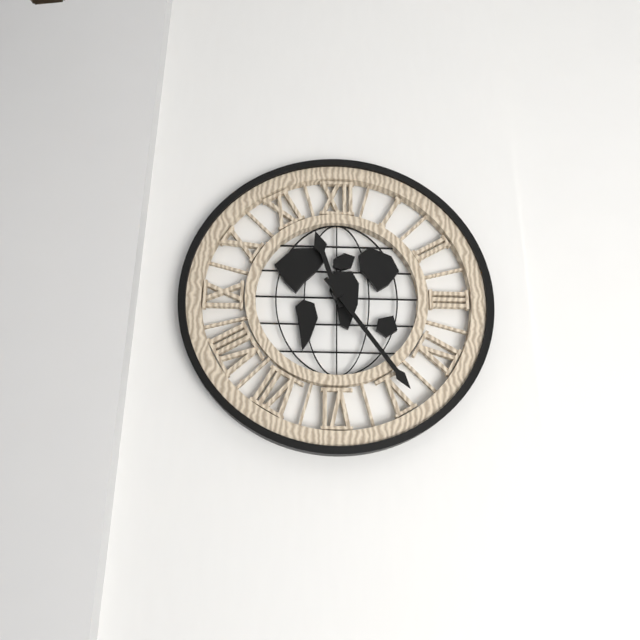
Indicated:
11 h 24 min
